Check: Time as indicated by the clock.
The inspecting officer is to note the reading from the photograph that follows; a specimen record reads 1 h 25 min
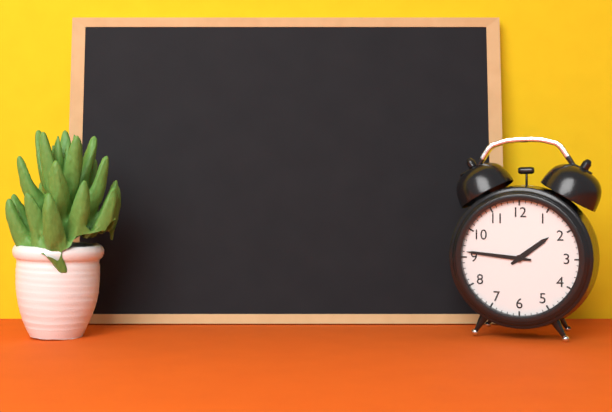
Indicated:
1 h 46 min
